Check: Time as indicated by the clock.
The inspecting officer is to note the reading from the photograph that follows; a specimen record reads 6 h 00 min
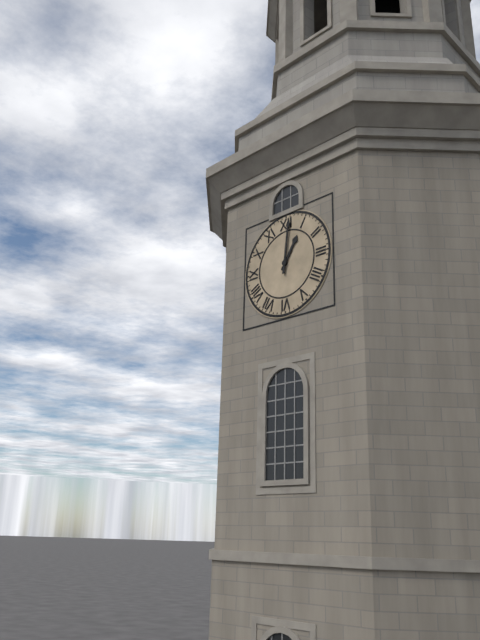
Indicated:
1 h 01 min
